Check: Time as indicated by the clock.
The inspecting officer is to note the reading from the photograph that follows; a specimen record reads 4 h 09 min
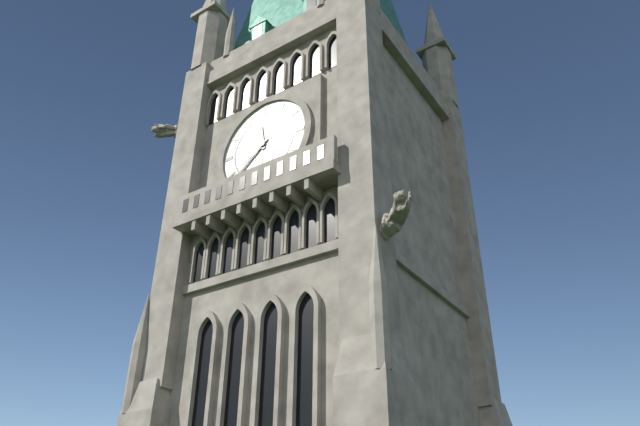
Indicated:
11 h 38 min
